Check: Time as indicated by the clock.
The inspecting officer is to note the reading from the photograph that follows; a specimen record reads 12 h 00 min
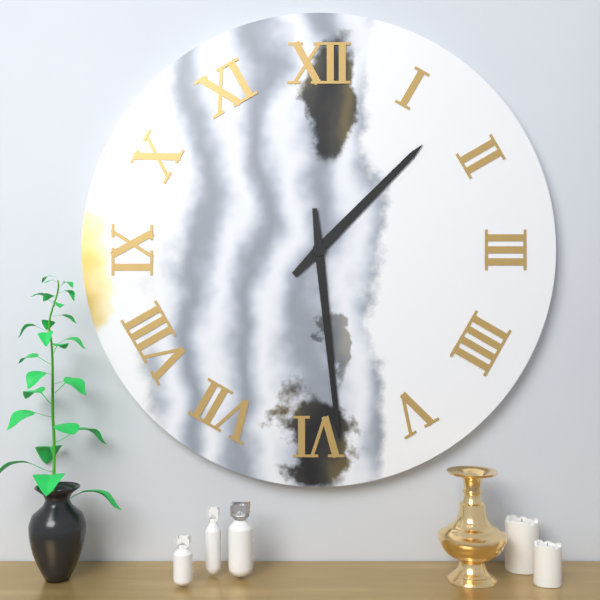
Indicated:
1 h 29 min
